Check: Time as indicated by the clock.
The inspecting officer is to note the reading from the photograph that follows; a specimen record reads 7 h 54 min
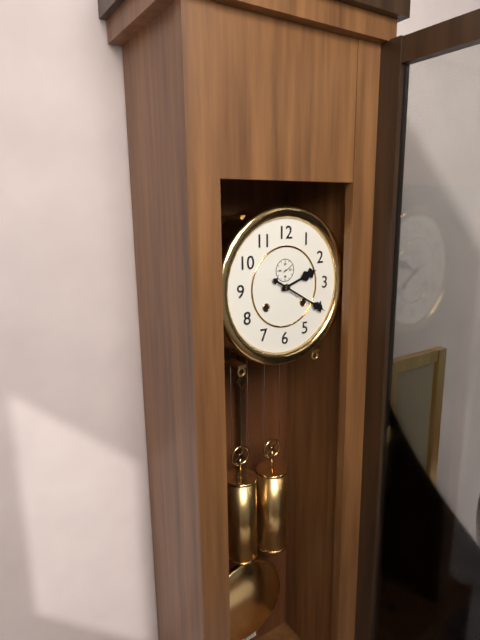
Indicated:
2 h 20 min
